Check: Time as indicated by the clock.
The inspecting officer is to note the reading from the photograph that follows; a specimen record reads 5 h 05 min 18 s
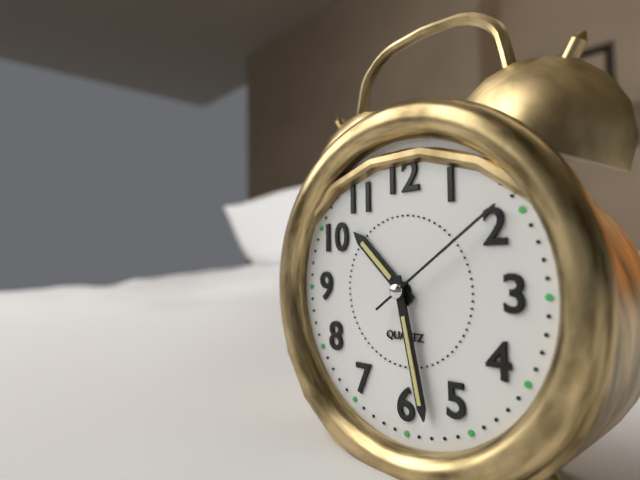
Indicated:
10 h 28 min 09 s
